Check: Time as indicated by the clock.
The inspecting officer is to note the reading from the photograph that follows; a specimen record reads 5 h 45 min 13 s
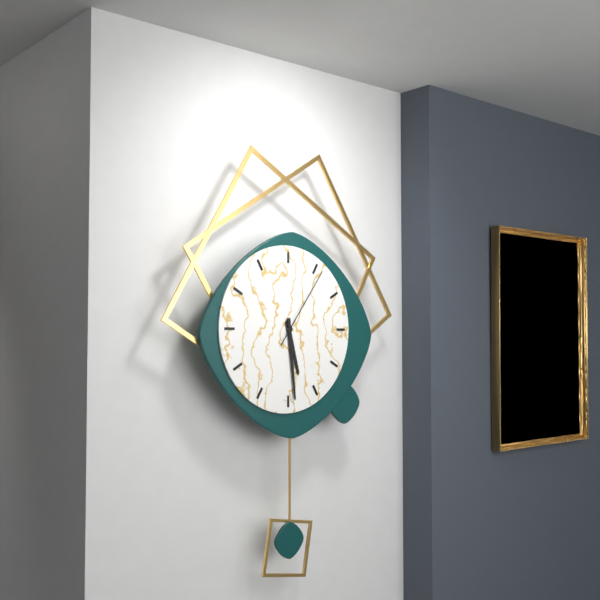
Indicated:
5 h 29 min 06 s
